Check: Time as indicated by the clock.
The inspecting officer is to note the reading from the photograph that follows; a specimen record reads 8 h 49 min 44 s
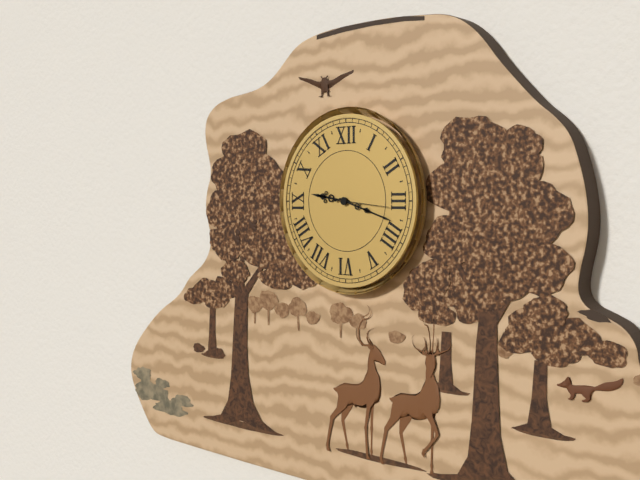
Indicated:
9 h 18 min 16 s
